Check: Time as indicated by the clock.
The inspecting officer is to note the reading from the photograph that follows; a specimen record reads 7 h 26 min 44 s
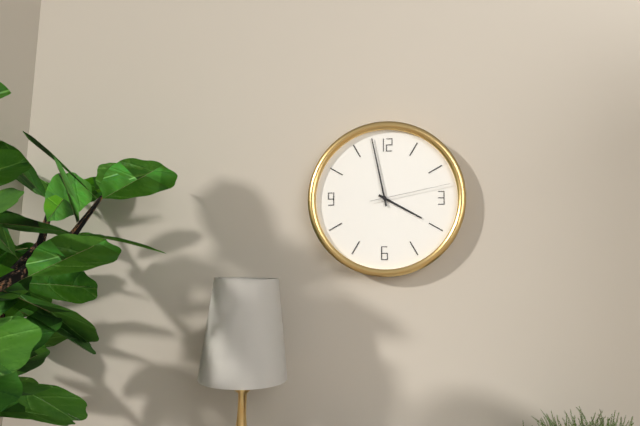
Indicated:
3 h 58 min 13 s
